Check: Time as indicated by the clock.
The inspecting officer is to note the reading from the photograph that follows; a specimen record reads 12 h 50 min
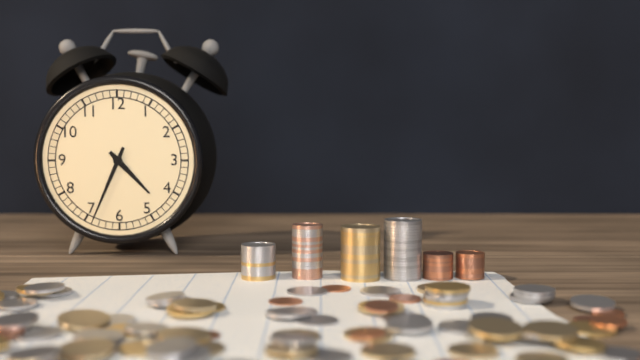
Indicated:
4 h 34 min
